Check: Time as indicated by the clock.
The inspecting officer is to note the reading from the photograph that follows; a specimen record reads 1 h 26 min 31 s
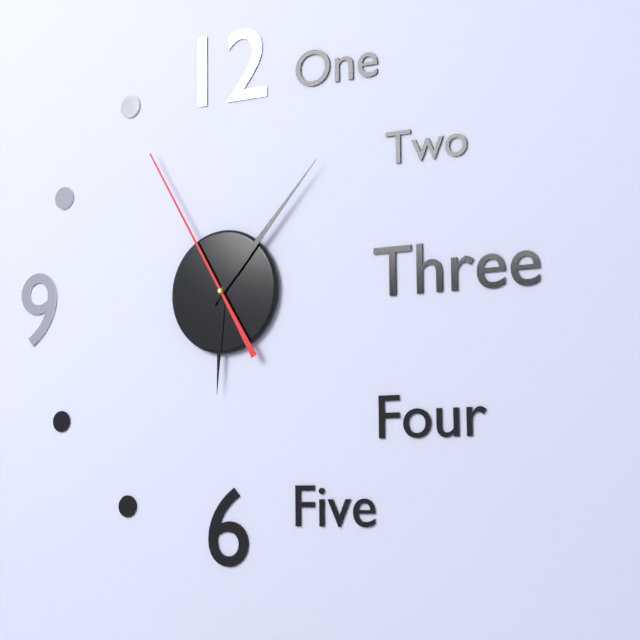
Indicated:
6 h 07 min 55 s
